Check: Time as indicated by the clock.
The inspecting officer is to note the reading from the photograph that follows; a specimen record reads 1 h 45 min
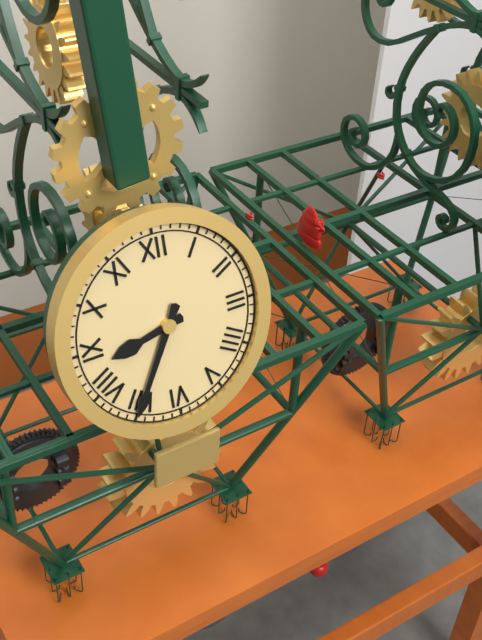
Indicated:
8 h 35 min
